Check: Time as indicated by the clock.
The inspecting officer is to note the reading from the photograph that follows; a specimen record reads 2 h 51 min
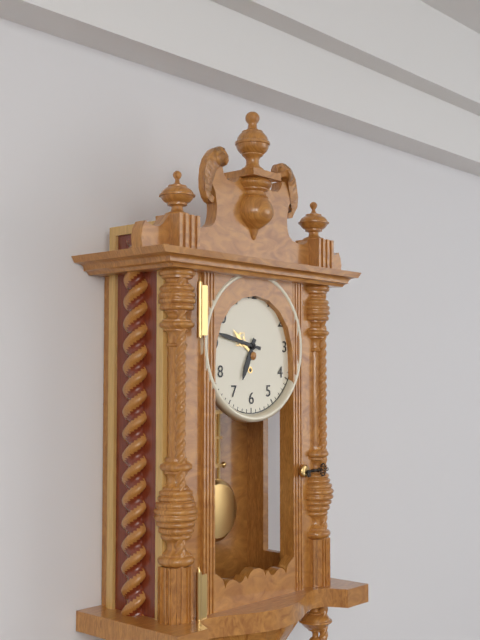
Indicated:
6 h 47 min
